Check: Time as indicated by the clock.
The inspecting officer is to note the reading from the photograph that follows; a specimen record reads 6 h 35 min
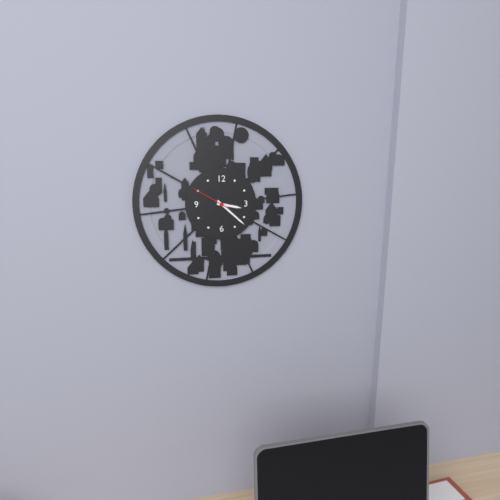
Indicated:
3 h 22 min
